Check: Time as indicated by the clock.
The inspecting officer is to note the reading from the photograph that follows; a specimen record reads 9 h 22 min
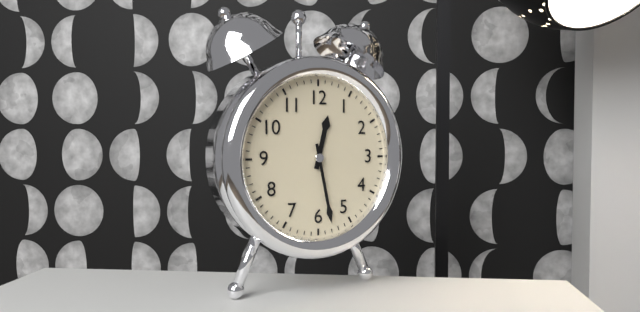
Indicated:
12 h 28 min
